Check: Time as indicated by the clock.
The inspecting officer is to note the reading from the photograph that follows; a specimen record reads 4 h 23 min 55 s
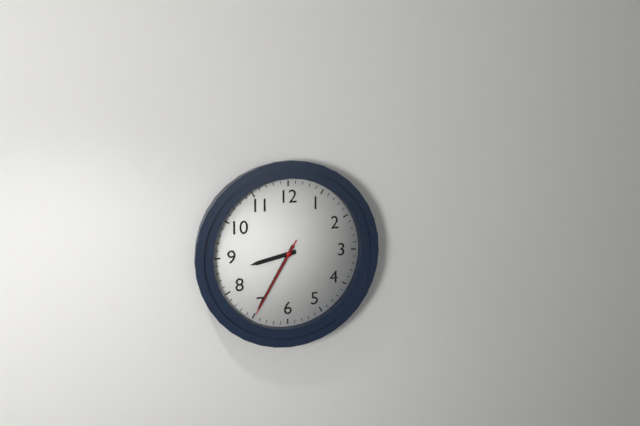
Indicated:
8 h 35 min 35 s
